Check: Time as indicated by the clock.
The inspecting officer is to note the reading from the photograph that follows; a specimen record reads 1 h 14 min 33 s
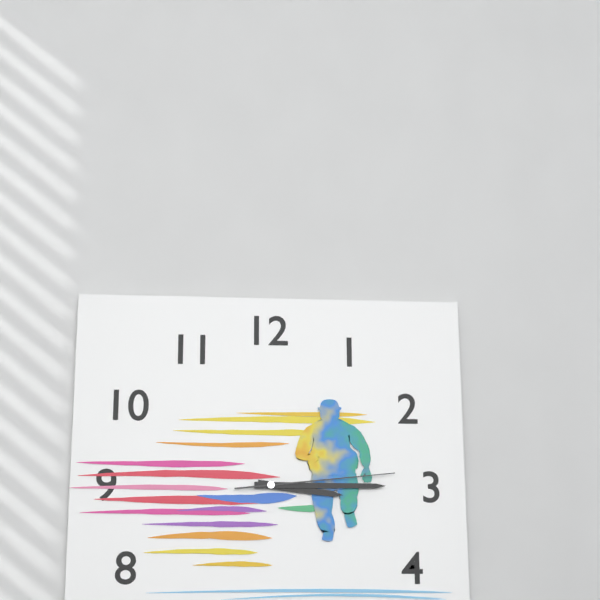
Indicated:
3 h 15 min 14 s
